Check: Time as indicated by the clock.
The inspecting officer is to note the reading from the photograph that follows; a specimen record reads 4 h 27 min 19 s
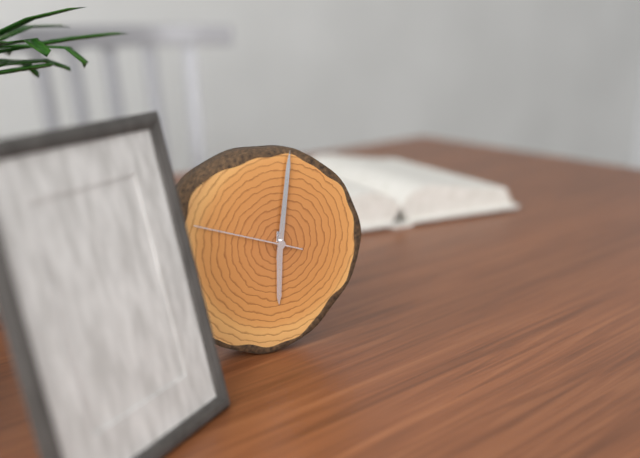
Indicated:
6 h 01 min 48 s
